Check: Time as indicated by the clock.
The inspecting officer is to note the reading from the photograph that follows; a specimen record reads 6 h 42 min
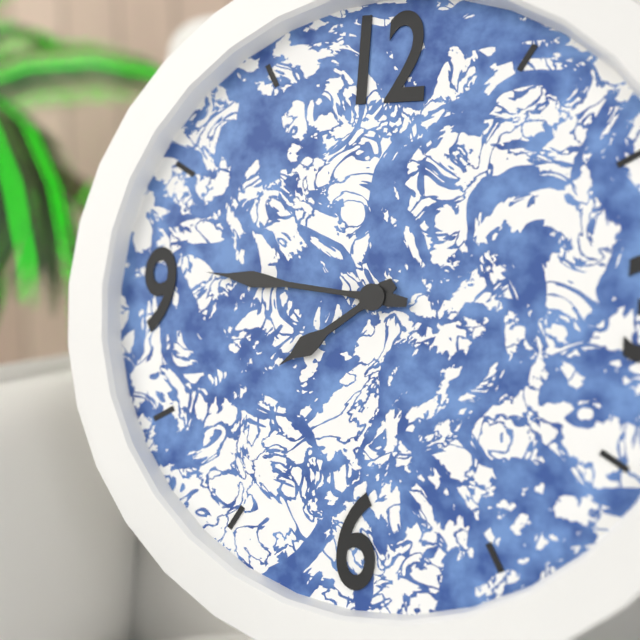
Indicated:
7 h 46 min
